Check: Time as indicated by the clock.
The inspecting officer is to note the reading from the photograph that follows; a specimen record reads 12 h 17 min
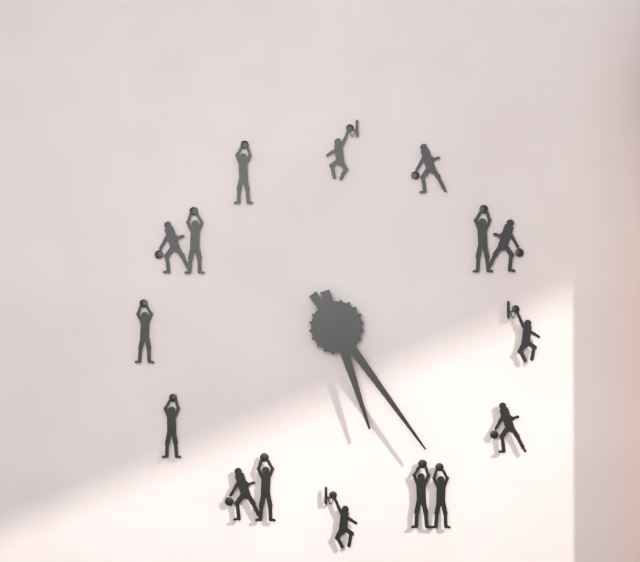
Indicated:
5 h 24 min
